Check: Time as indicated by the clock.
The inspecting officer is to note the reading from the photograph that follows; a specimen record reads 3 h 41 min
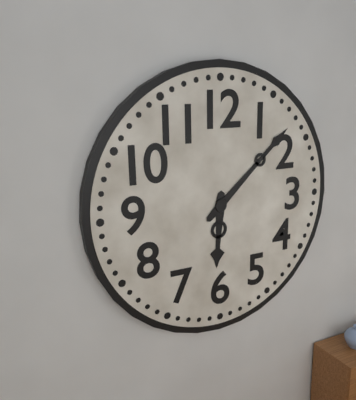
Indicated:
6 h 08 min
